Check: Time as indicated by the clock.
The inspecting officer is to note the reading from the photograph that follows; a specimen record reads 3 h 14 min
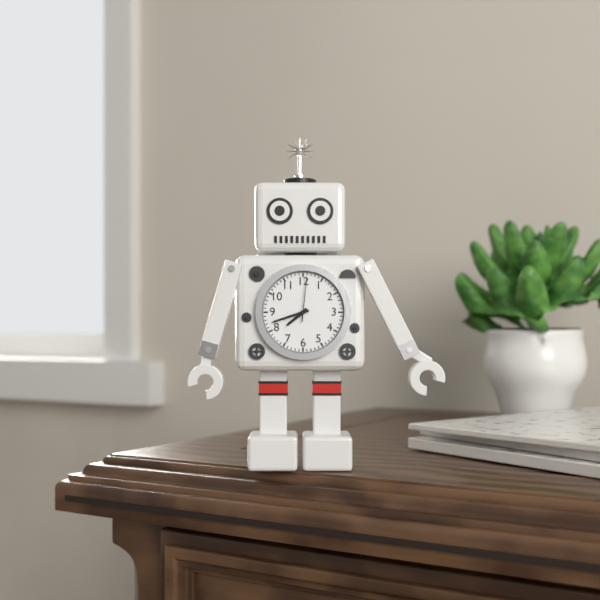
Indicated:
7 h 42 min
